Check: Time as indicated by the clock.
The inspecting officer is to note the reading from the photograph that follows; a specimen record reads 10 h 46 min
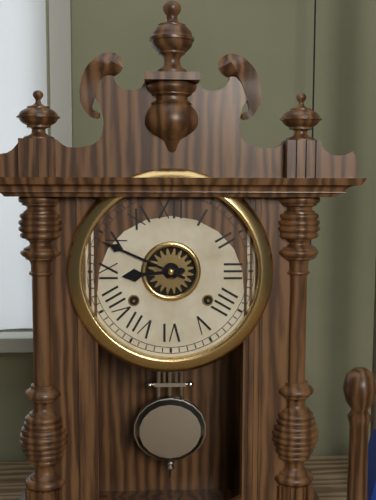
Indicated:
8 h 49 min
